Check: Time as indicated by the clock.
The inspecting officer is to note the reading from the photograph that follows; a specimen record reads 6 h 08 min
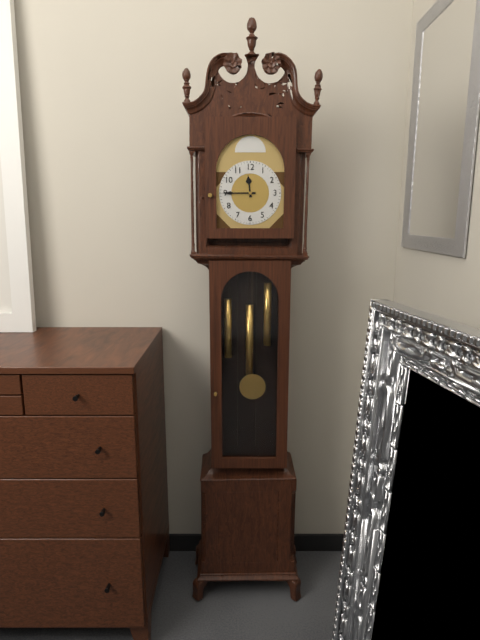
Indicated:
11 h 45 min
